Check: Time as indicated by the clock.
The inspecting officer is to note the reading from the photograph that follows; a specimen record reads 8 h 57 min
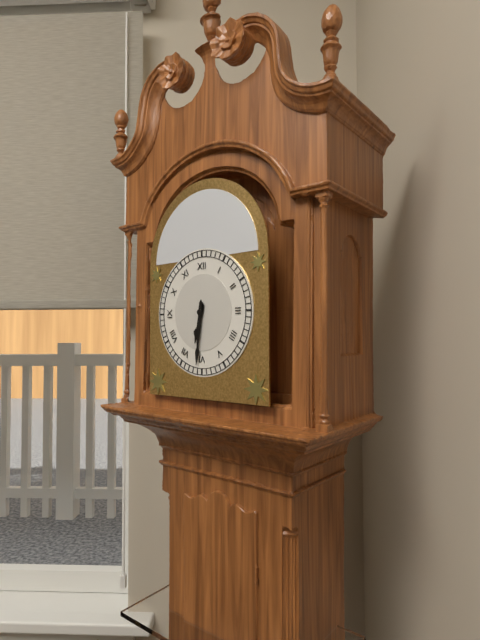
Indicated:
6 h 31 min
